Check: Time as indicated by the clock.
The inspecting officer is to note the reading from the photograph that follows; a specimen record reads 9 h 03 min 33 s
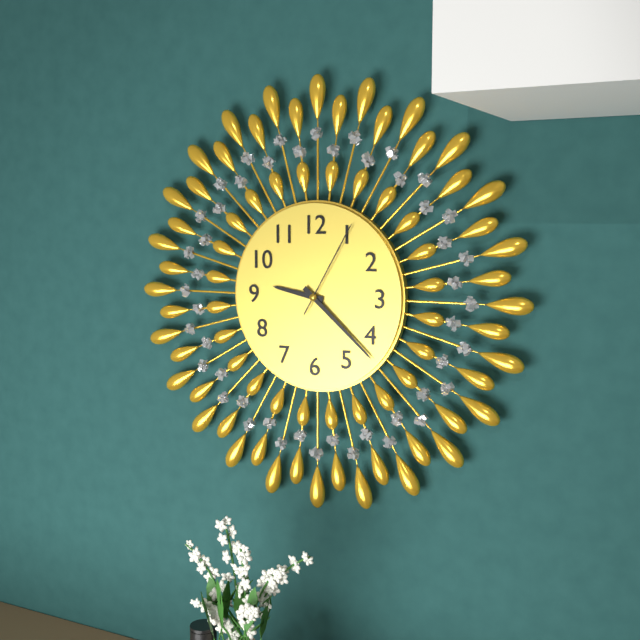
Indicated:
9 h 22 min 05 s
